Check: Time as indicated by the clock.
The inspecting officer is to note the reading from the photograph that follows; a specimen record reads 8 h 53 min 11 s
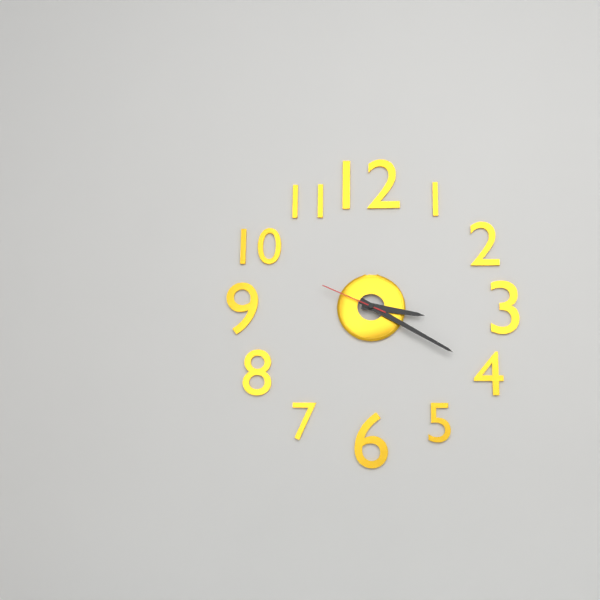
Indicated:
3 h 20 min 49 s
